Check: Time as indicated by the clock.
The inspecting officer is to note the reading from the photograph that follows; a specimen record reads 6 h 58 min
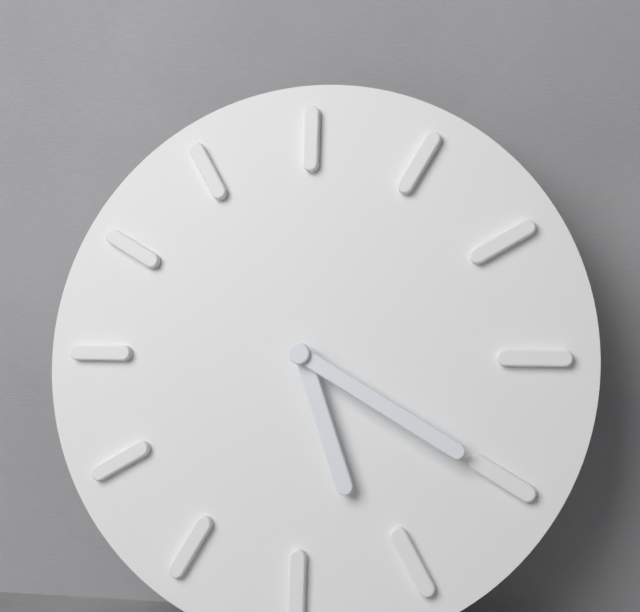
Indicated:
5 h 20 min
